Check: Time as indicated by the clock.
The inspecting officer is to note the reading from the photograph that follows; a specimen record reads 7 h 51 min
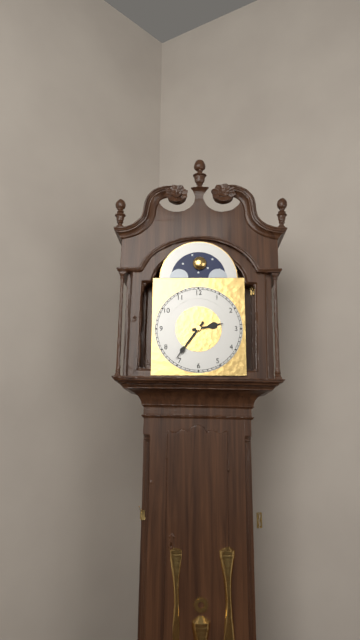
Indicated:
2 h 36 min
